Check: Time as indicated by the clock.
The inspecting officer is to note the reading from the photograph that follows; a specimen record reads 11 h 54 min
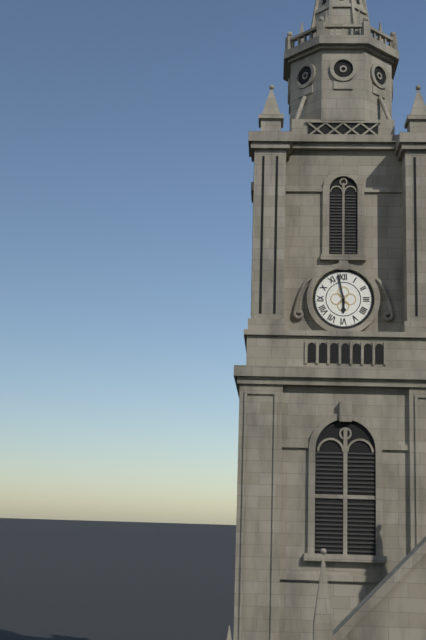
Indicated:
5 h 58 min
